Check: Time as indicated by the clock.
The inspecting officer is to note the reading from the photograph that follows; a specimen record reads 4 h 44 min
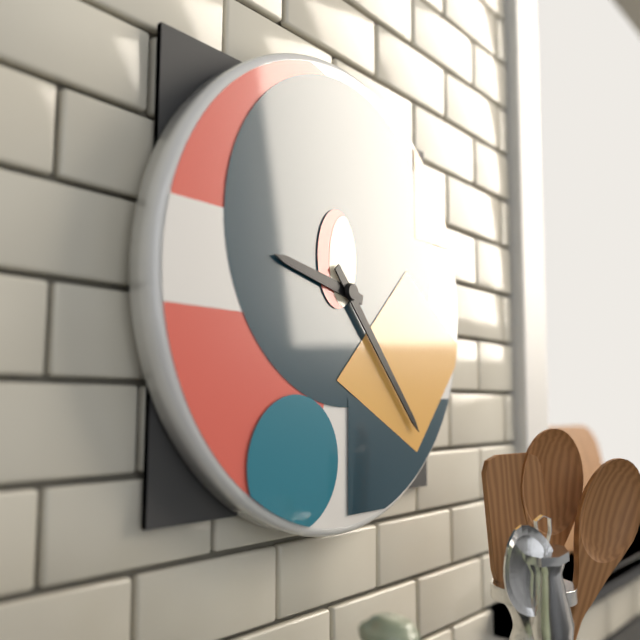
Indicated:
9 h 23 min
